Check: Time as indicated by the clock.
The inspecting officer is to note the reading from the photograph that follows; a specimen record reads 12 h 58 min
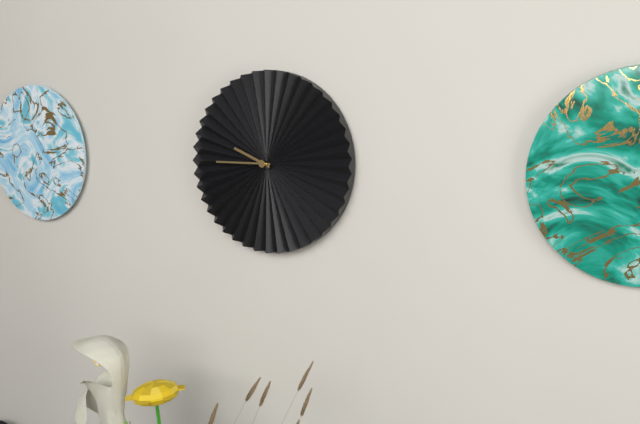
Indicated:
9 h 45 min
